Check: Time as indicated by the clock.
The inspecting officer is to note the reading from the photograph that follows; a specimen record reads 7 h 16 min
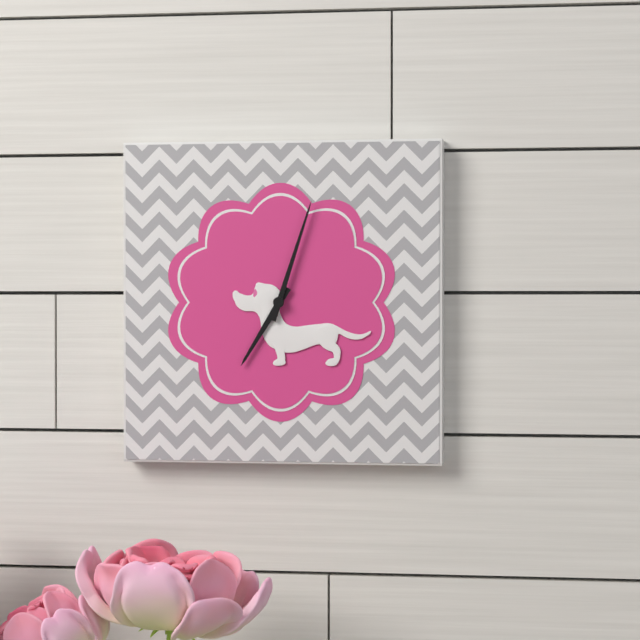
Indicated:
7 h 03 min
